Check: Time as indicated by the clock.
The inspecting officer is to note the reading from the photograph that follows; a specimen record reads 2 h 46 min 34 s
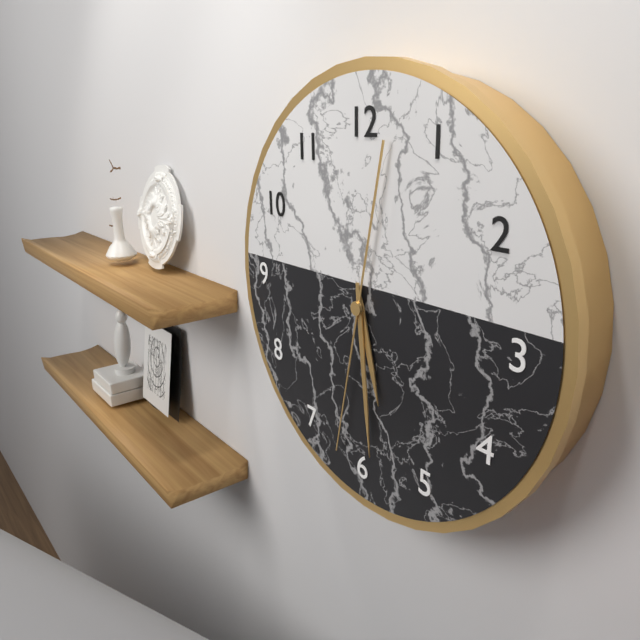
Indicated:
5 h 29 min 32 s
